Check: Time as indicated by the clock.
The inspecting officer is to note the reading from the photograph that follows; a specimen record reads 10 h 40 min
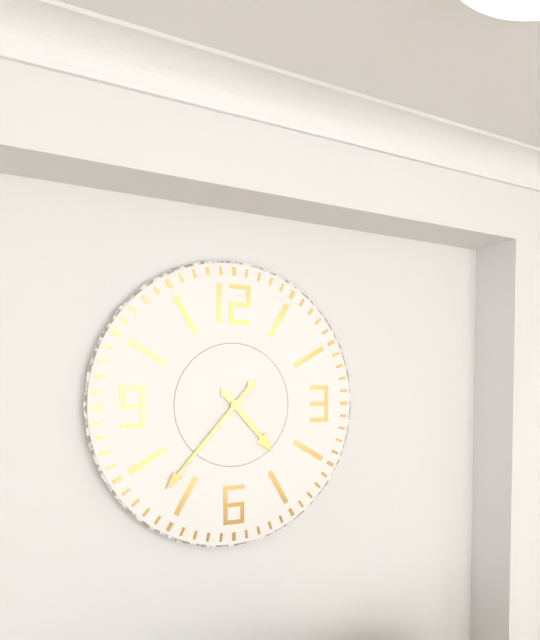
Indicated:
4 h 37 min
